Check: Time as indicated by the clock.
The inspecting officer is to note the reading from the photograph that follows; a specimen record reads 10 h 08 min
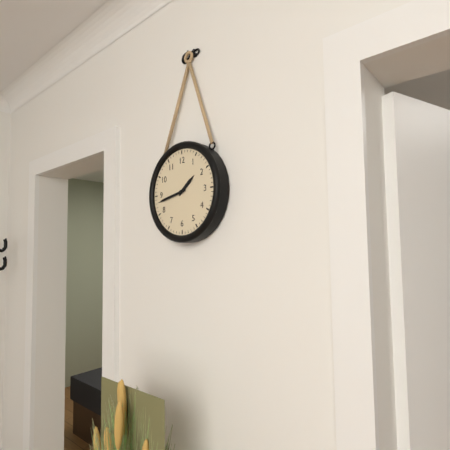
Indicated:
1 h 43 min
